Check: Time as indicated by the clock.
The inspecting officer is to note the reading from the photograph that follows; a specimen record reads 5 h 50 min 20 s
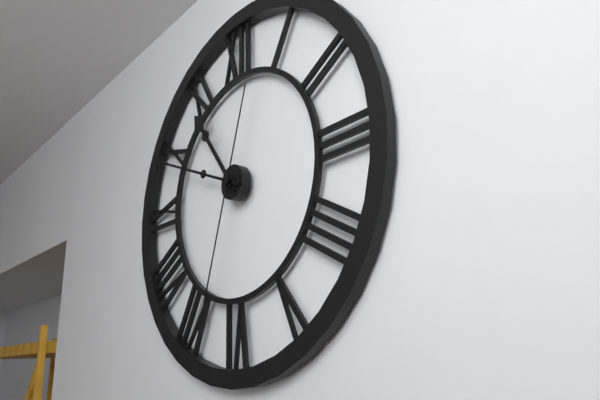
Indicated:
10 h 49 min 33 s
